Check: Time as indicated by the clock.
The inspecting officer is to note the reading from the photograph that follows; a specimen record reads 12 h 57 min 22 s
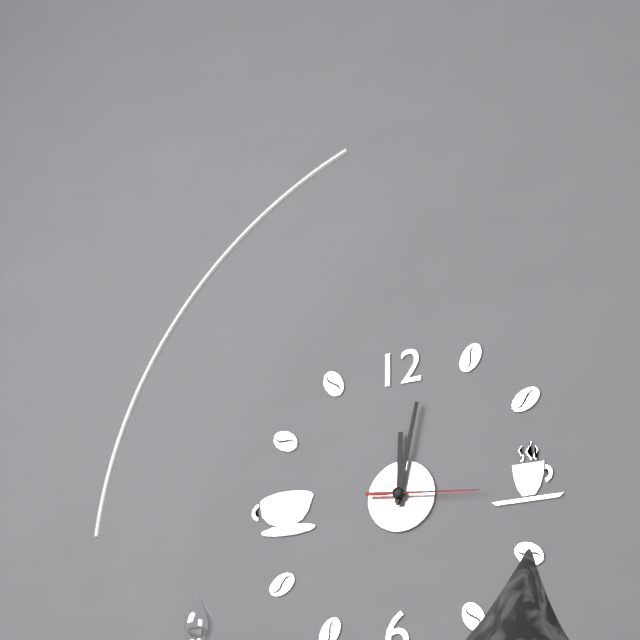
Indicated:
12 h 02 min 16 s
